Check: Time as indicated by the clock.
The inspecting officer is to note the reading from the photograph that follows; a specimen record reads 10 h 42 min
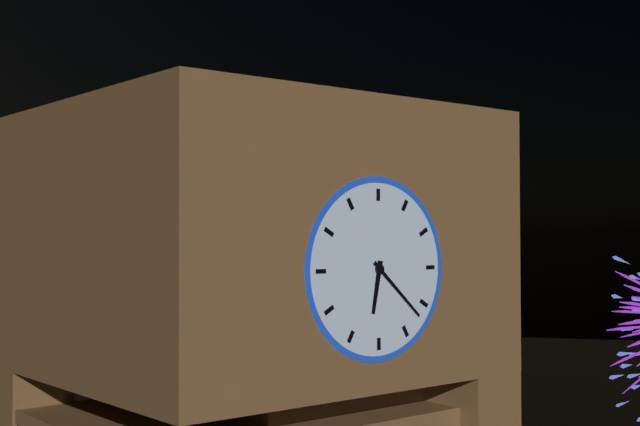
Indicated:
6 h 22 min
